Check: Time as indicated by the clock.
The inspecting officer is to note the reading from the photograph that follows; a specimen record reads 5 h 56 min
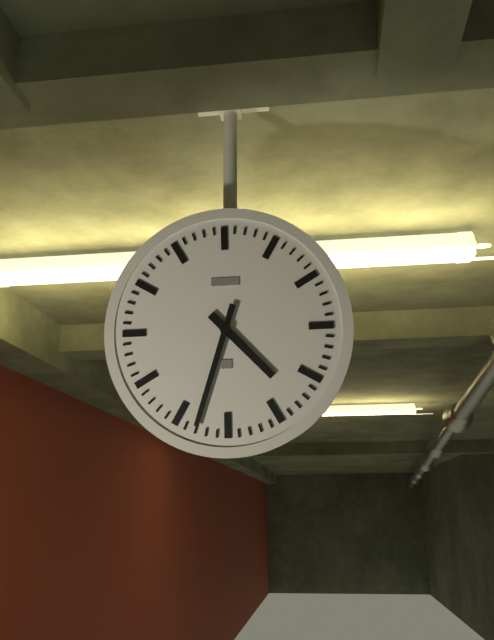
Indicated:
4 h 33 min
